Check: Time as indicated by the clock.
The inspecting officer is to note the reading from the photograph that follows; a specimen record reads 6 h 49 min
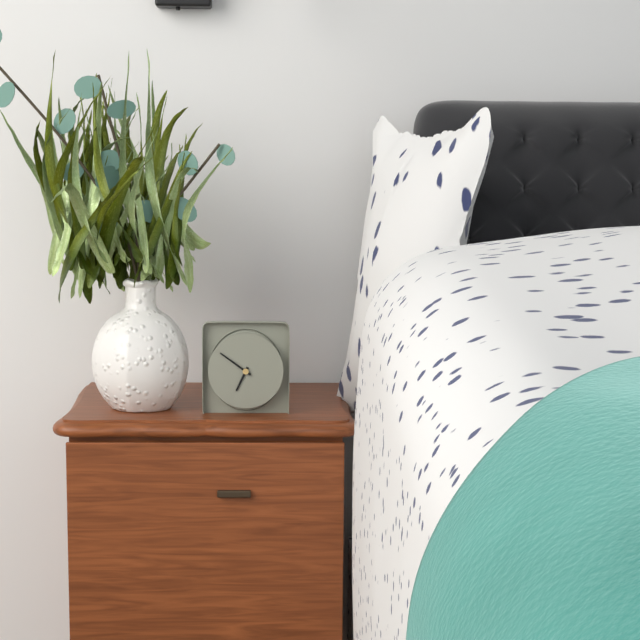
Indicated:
6 h 51 min
